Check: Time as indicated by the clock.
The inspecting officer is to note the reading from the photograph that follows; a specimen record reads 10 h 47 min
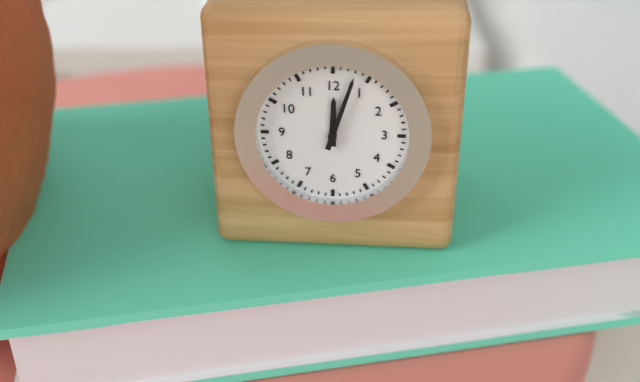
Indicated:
12 h 03 min
